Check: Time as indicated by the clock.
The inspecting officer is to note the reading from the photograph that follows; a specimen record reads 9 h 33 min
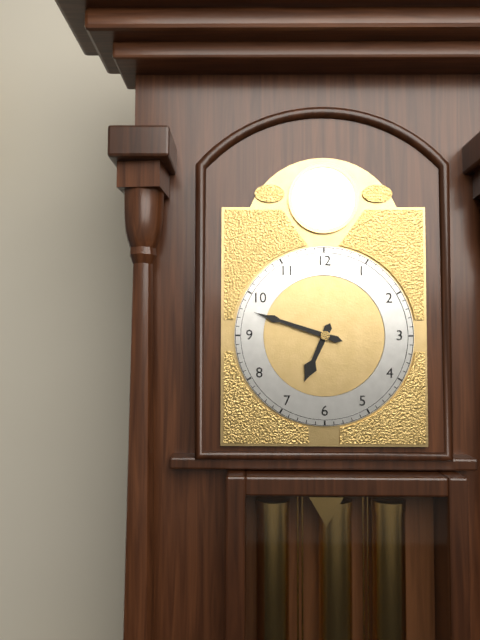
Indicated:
6 h 48 min
